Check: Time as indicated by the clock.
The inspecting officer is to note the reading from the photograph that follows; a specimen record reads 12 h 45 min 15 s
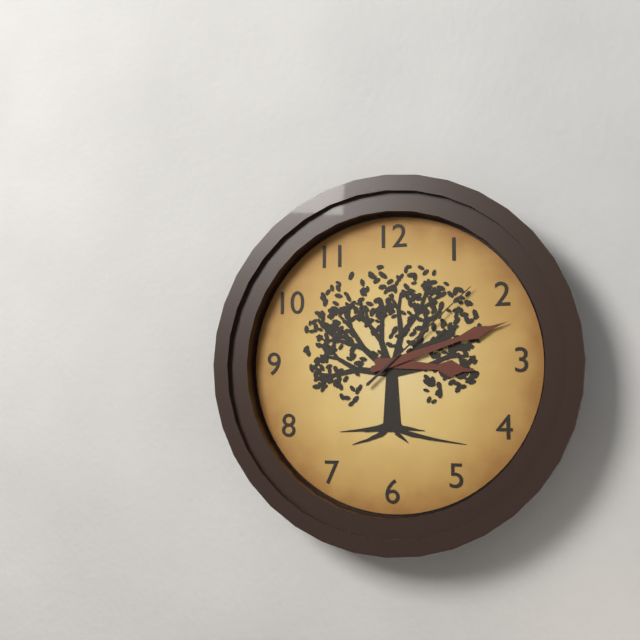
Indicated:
3 h 12 min 08 s
